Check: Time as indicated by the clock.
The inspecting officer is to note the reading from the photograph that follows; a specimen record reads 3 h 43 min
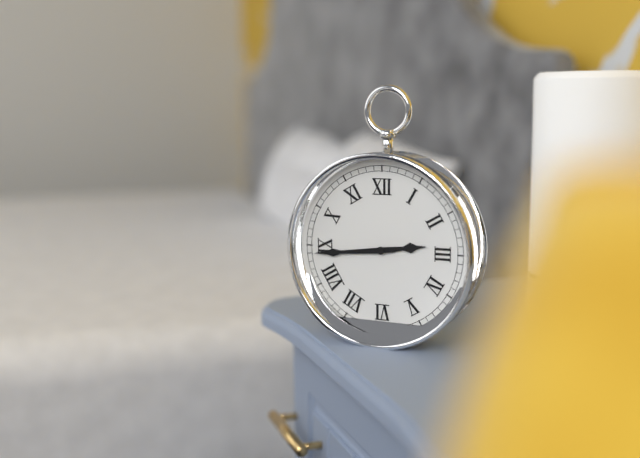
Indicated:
2 h 44 min
